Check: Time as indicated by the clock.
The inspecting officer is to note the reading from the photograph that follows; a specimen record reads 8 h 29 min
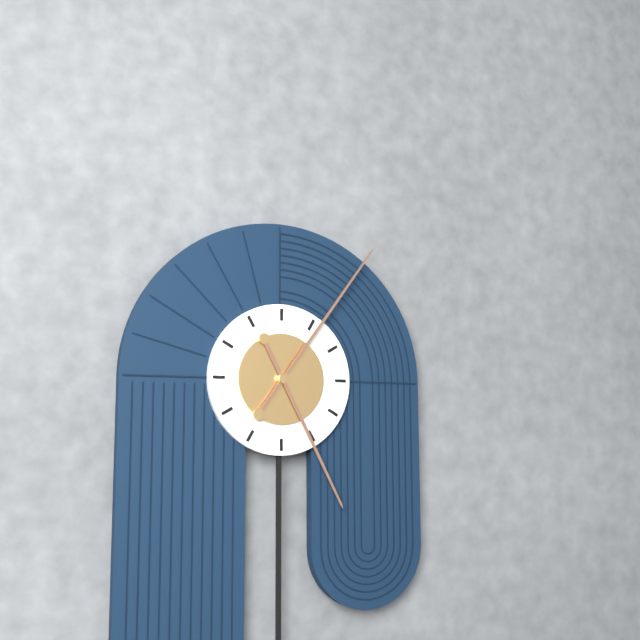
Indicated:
5 h 06 min
